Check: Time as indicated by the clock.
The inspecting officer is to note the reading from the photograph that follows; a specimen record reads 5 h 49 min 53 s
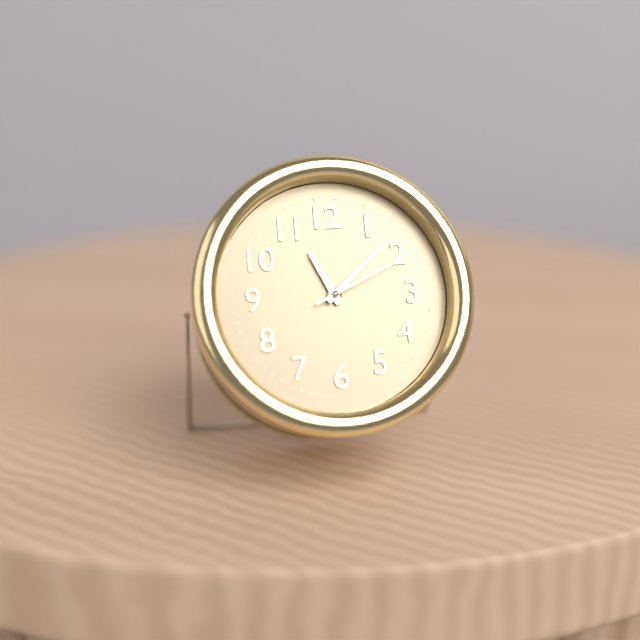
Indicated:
11 h 08 min 11 s
